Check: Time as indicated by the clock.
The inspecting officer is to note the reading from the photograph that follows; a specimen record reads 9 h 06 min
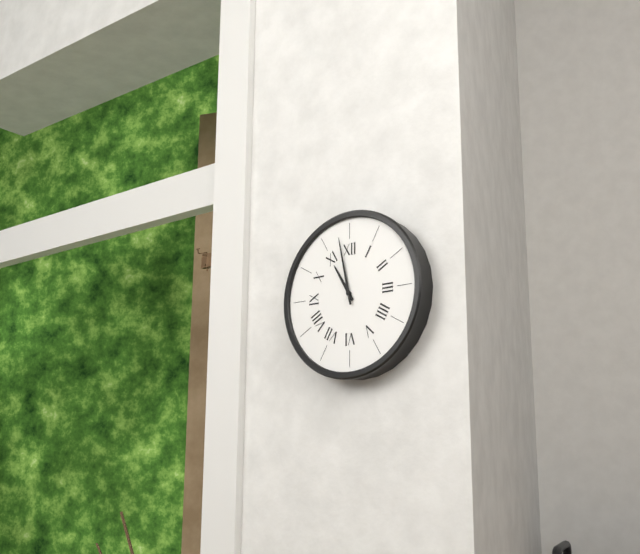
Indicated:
10 h 58 min
